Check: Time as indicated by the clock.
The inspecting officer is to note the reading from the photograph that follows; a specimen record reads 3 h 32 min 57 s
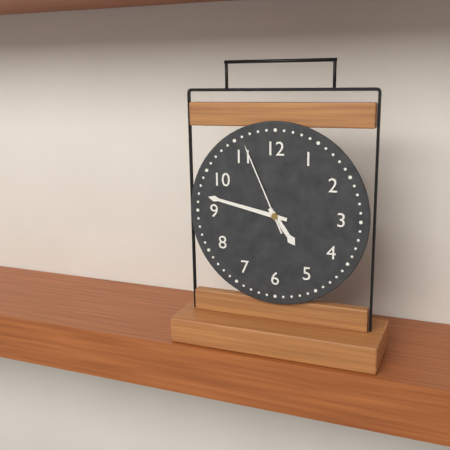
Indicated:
4 h 47 min 56 s
